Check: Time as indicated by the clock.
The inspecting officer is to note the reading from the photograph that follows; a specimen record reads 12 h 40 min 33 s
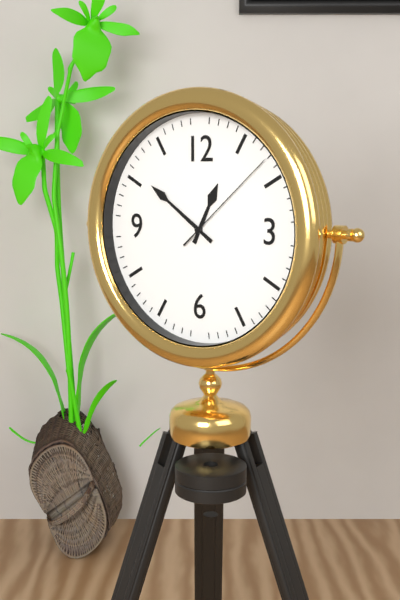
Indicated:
12 h 51 min 08 s
